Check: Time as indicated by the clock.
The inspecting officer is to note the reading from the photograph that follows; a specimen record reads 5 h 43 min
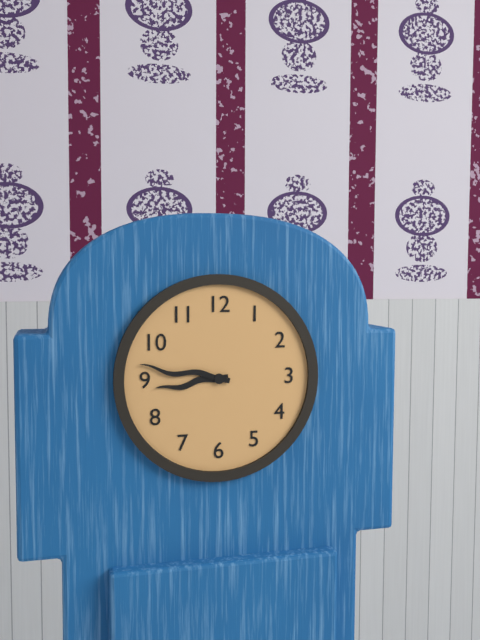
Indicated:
8 h 47 min
